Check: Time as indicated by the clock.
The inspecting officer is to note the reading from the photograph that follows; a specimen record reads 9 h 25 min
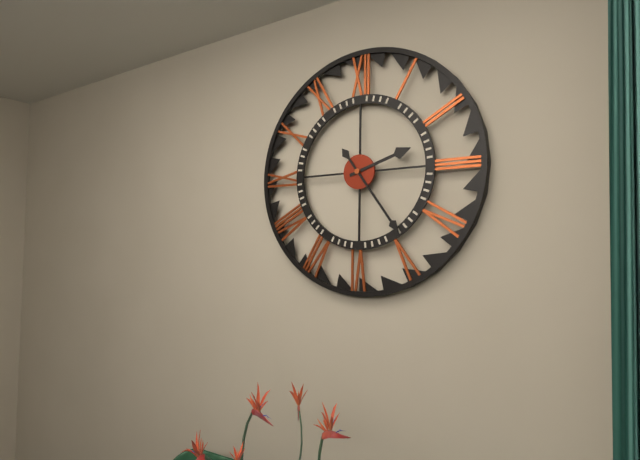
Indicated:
2 h 24 min
